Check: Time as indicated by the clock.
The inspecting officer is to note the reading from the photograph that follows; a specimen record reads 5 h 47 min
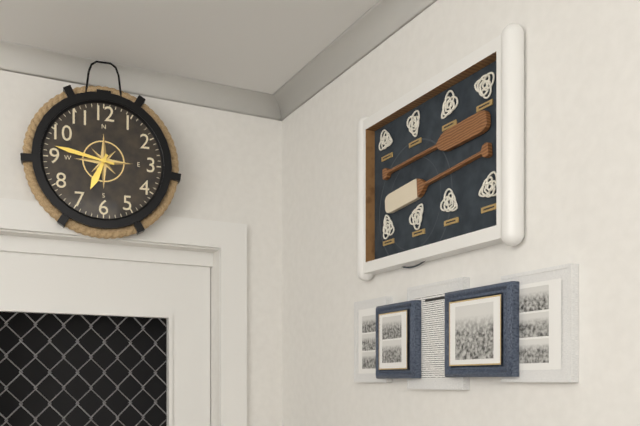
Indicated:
6 h 47 min
